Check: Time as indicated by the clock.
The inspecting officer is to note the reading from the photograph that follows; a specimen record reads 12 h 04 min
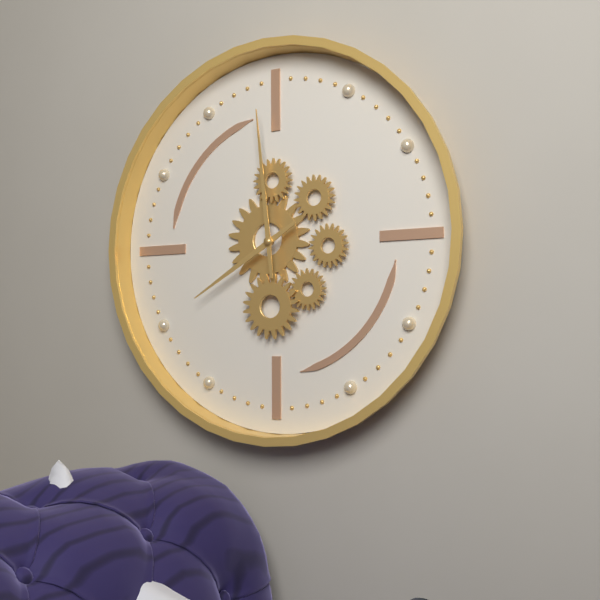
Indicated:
7 h 59 min
